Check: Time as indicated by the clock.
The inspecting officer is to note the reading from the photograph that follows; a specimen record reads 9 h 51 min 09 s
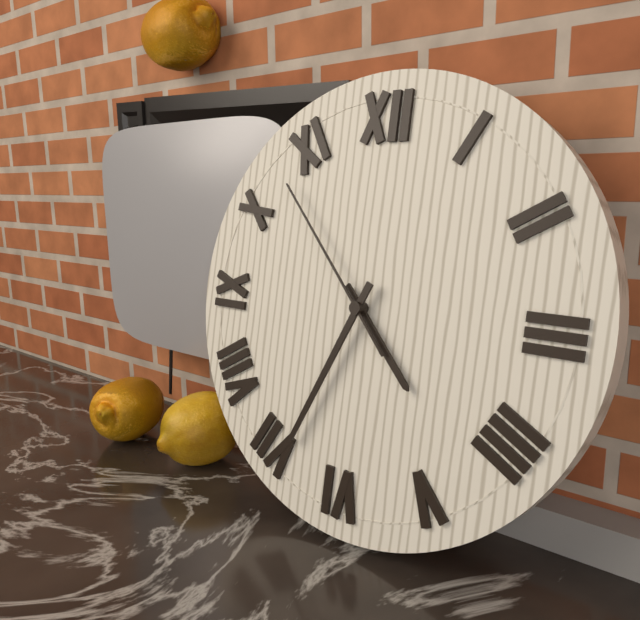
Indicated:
4 h 34 min 53 s
